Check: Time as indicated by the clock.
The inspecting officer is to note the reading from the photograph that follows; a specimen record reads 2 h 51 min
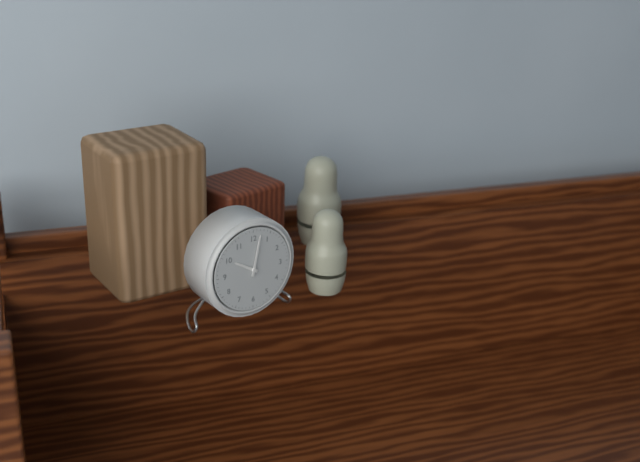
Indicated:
10 h 02 min
